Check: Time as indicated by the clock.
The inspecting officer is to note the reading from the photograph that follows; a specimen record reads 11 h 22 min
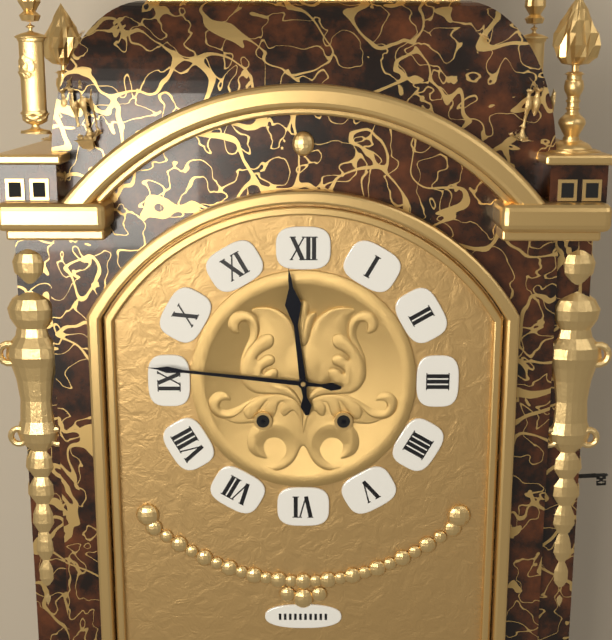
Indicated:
11 h 46 min
